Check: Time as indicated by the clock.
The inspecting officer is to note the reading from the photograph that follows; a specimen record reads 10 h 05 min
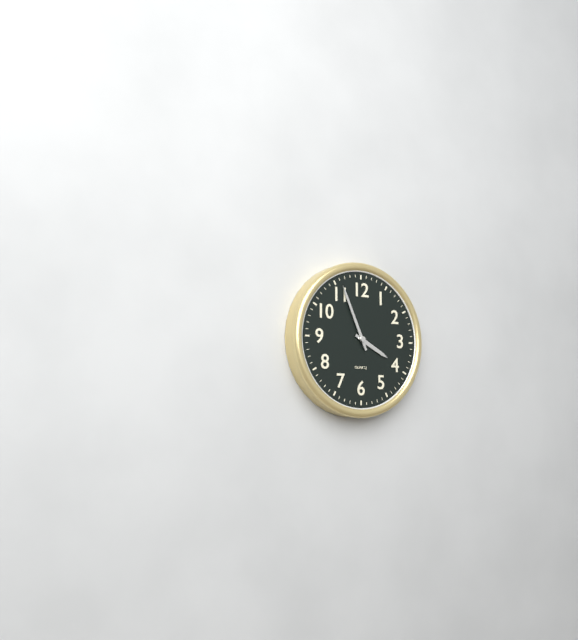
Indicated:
3 h 56 min
